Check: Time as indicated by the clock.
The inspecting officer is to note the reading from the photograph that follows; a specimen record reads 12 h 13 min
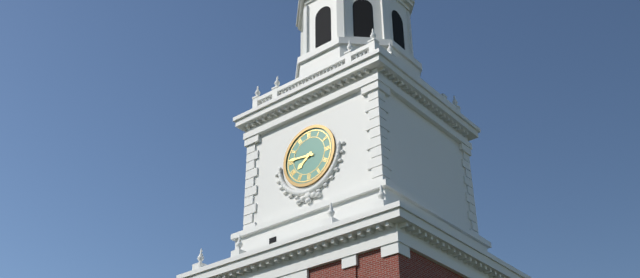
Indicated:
7 h 46 min
